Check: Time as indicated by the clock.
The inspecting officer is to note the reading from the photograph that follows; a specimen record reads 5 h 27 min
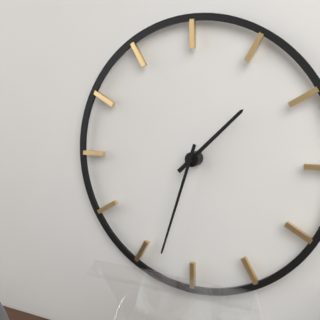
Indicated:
1 h 33 min
